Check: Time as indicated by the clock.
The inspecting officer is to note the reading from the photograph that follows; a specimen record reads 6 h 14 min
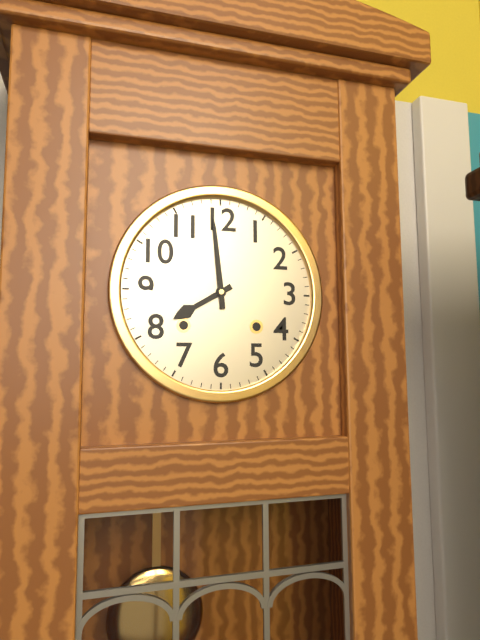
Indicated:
7 h 59 min
